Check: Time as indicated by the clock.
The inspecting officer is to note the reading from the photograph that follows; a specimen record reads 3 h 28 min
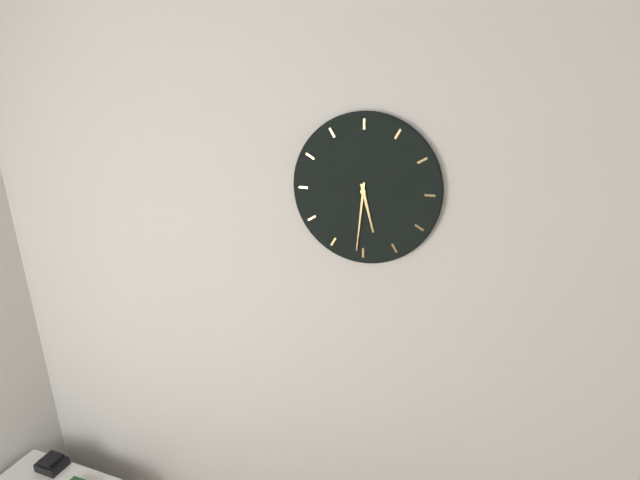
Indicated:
5 h 31 min
